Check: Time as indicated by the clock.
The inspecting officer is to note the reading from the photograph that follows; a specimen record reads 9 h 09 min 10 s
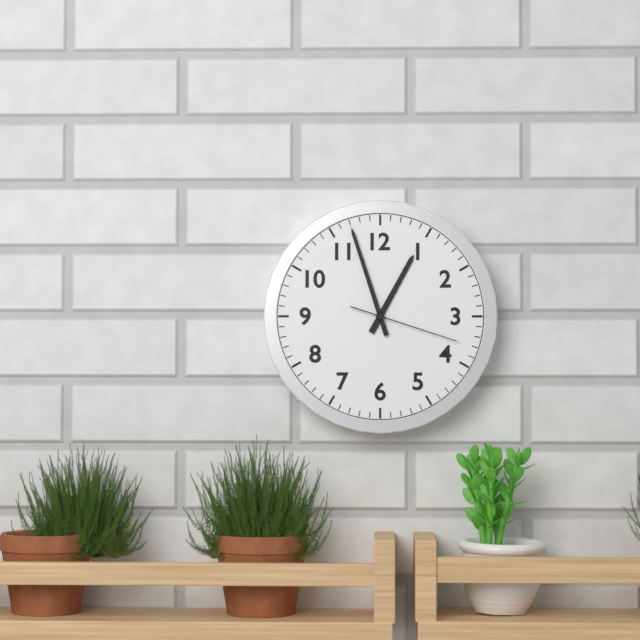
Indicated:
12 h 57 min 18 s
